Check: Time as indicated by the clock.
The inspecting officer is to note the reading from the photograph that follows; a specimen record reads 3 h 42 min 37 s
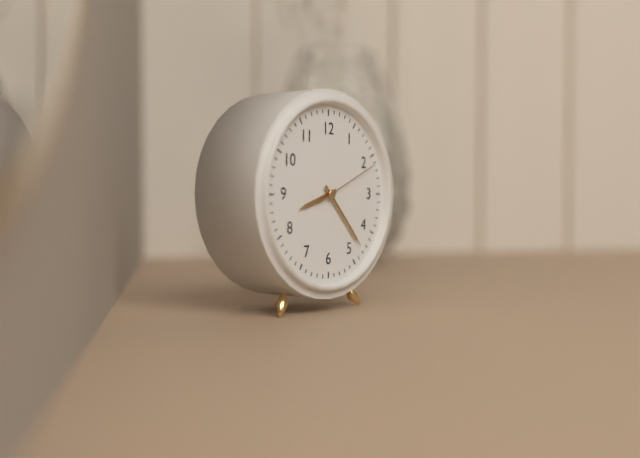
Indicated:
8 h 23 min 11 s
